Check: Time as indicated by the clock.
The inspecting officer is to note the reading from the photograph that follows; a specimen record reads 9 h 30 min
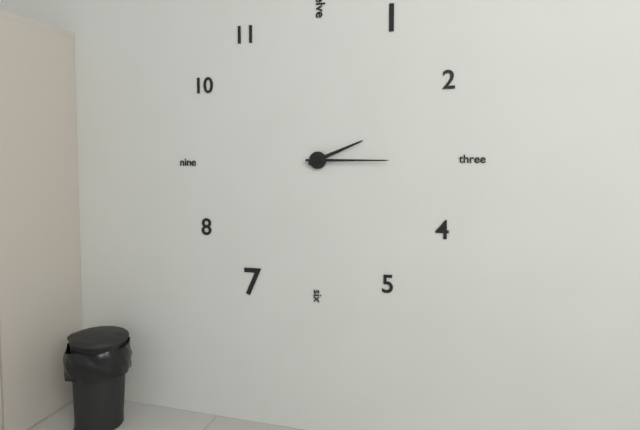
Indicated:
2 h 15 min
